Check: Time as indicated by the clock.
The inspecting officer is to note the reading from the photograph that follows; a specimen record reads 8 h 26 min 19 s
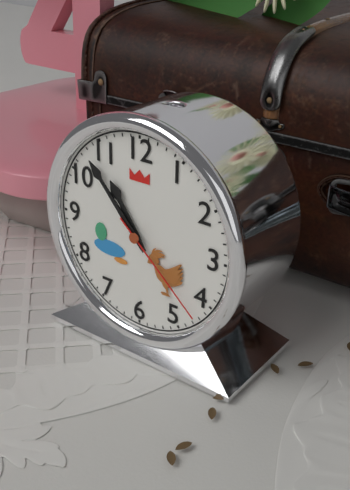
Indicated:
10 h 53 min 22 s
